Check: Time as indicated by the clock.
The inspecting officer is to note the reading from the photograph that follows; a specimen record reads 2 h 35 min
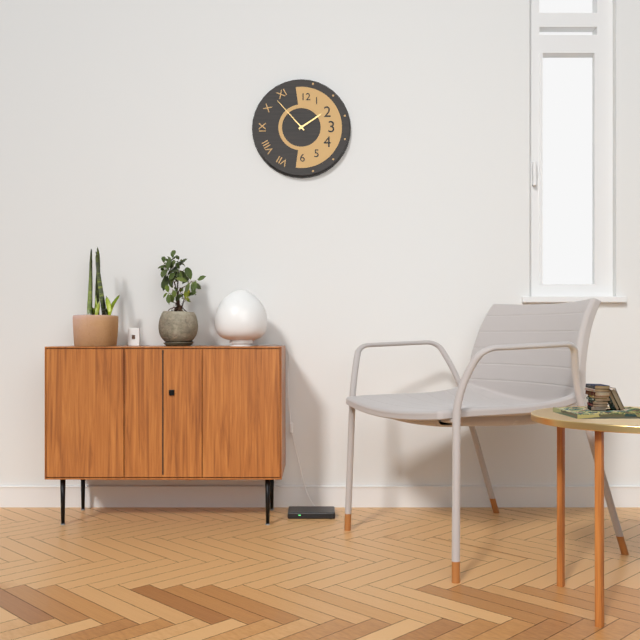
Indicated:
1 h 53 min
